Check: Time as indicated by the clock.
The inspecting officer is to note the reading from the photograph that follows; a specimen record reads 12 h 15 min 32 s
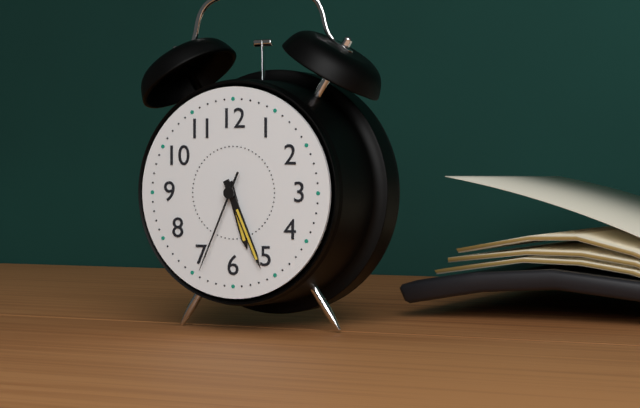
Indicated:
5 h 26 min 34 s
